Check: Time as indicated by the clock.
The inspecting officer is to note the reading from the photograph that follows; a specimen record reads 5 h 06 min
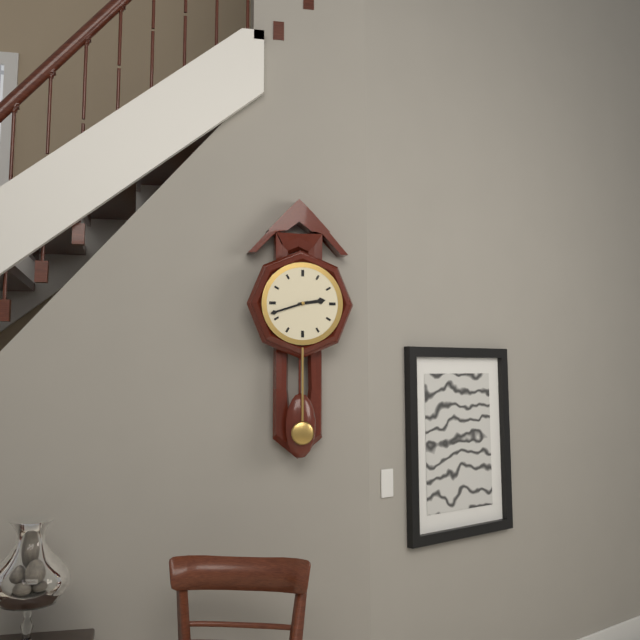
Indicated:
2 h 42 min
